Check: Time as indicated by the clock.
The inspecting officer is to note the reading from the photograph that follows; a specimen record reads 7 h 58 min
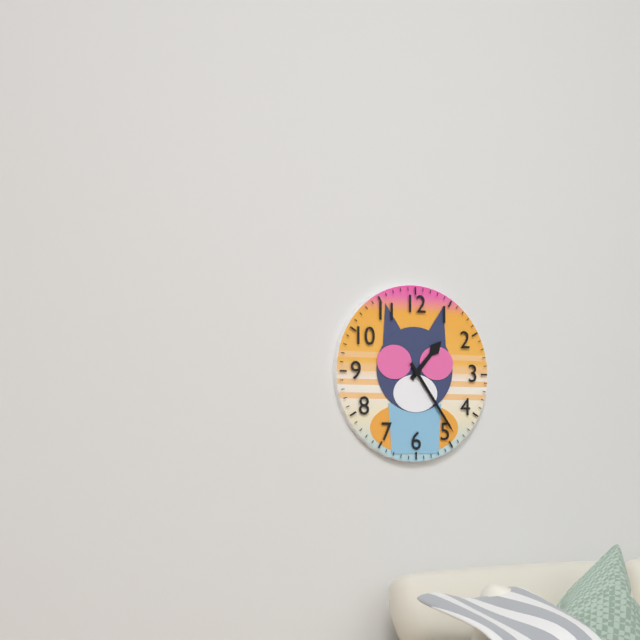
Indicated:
1 h 24 min
